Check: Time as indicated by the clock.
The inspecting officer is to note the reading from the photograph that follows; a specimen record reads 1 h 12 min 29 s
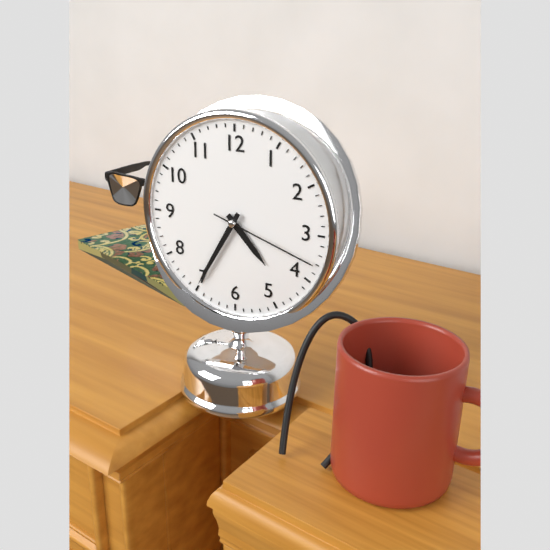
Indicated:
4 h 35 min 18 s
